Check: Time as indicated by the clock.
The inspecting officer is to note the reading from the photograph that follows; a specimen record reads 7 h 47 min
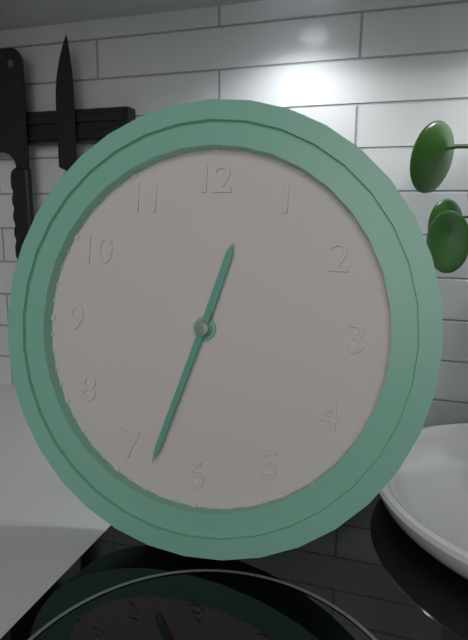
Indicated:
12 h 33 min
